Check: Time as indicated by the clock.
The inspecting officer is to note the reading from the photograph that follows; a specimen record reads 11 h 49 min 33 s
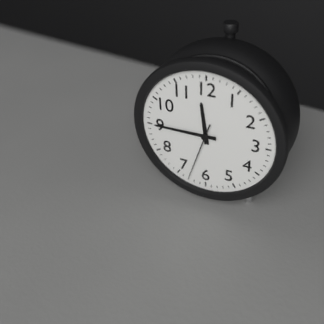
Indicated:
11 h 45 min 33 s
